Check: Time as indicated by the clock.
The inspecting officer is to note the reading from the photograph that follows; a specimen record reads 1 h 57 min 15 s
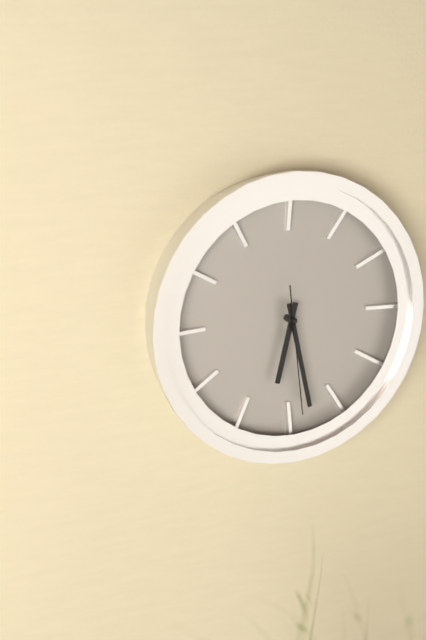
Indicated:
6 h 28 min 29 s
